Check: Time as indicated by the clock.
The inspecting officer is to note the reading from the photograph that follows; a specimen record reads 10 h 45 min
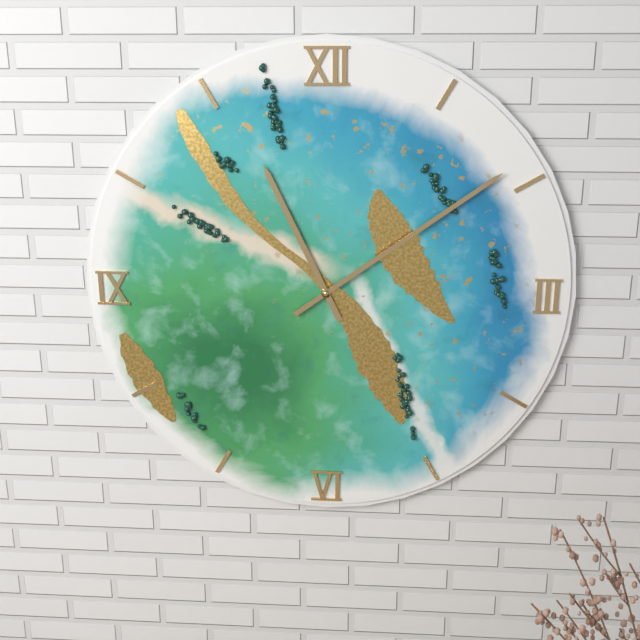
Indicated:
11 h 09 min
